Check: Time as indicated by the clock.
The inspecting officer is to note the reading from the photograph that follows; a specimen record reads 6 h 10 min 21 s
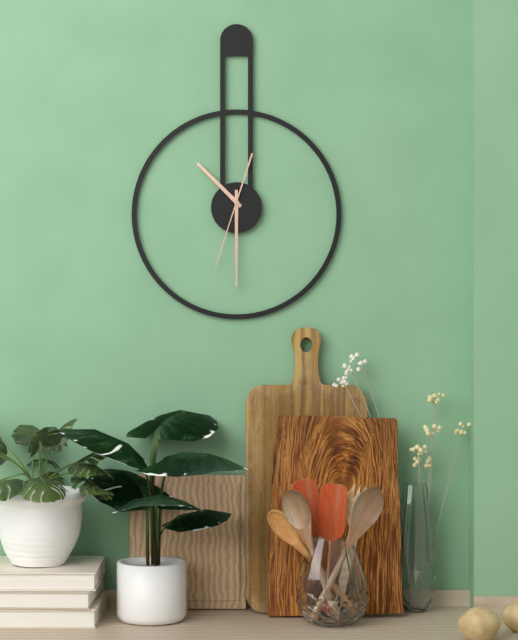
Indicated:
10 h 30 min 33 s
